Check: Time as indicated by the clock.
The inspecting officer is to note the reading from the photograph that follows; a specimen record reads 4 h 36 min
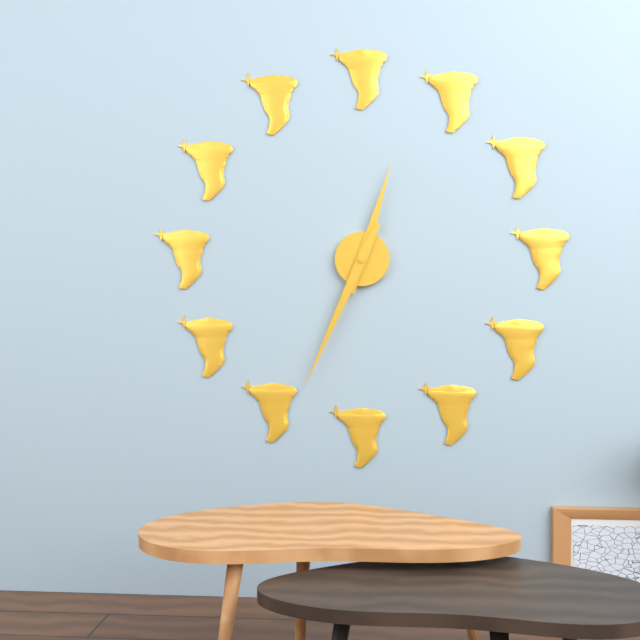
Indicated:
12 h 34 min
